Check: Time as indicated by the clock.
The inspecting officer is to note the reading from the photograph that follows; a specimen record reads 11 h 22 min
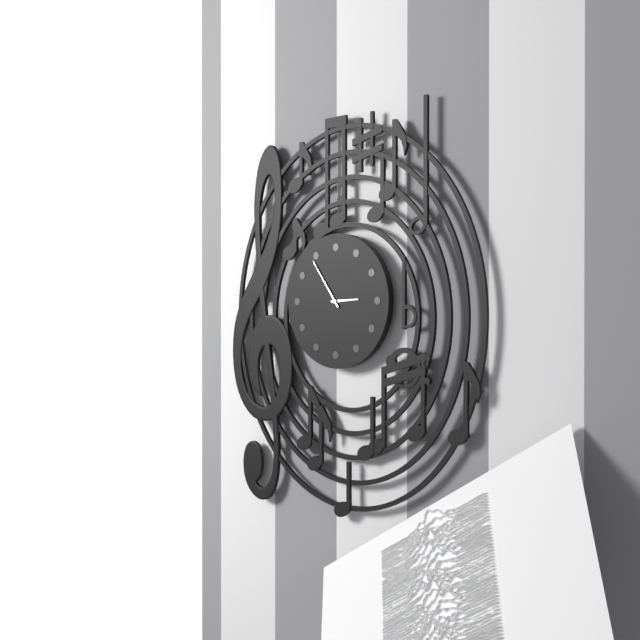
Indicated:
2 h 54 min
